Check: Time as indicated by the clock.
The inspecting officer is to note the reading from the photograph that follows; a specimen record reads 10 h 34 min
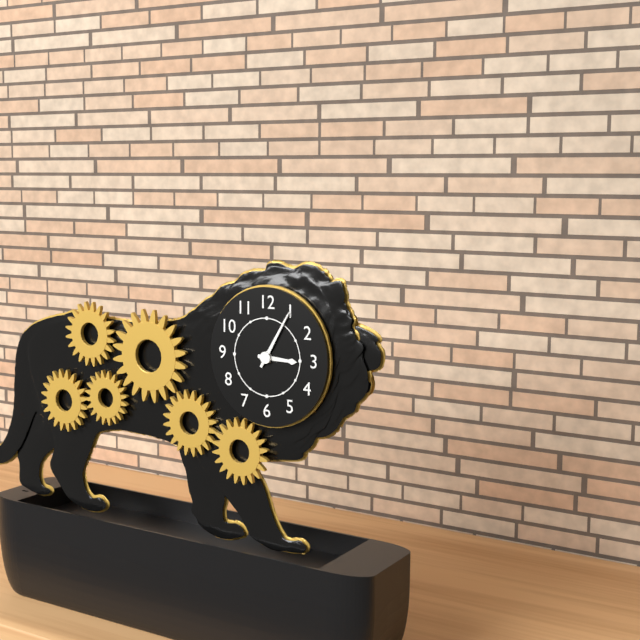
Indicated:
3 h 05 min
